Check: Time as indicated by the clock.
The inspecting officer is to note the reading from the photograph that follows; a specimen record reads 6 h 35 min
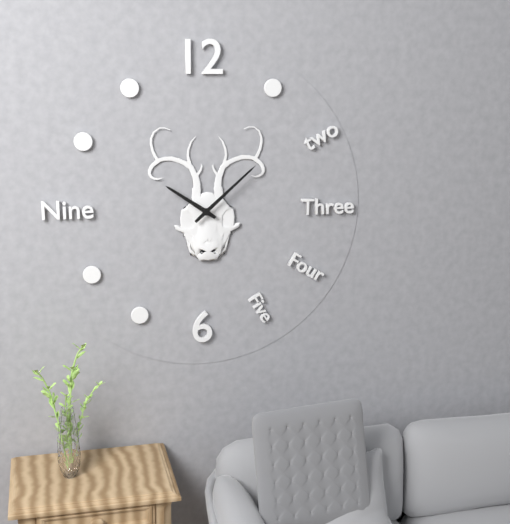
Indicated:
10 h 08 min
